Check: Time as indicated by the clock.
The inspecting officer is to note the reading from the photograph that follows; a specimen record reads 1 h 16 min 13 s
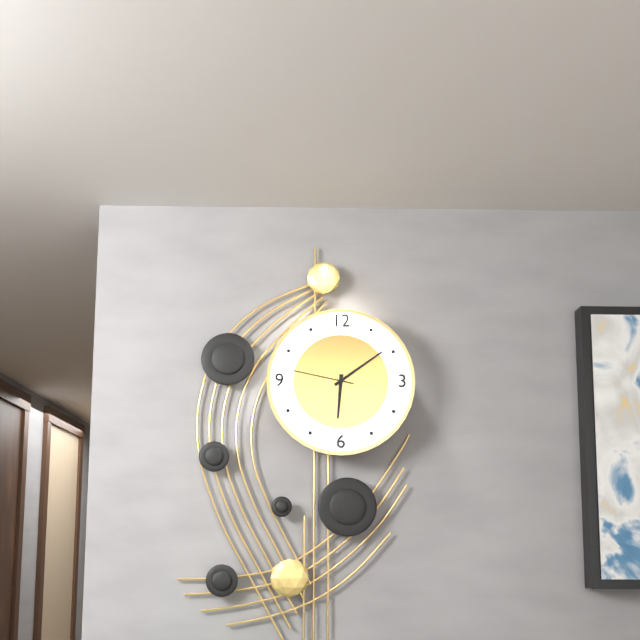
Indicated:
6 h 09 min 47 s
